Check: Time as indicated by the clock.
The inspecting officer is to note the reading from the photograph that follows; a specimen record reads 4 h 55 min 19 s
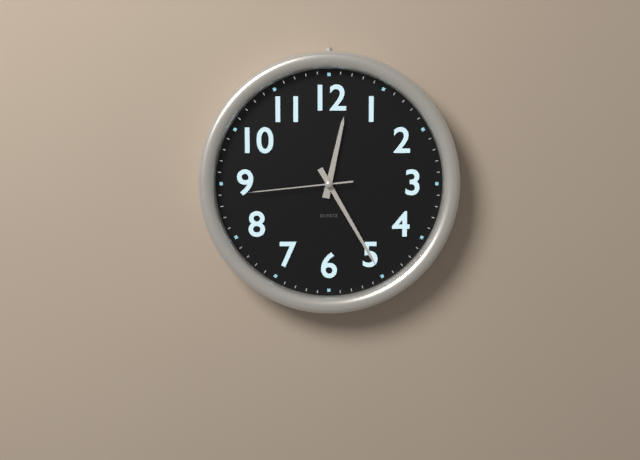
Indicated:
12 h 25 min 44 s
